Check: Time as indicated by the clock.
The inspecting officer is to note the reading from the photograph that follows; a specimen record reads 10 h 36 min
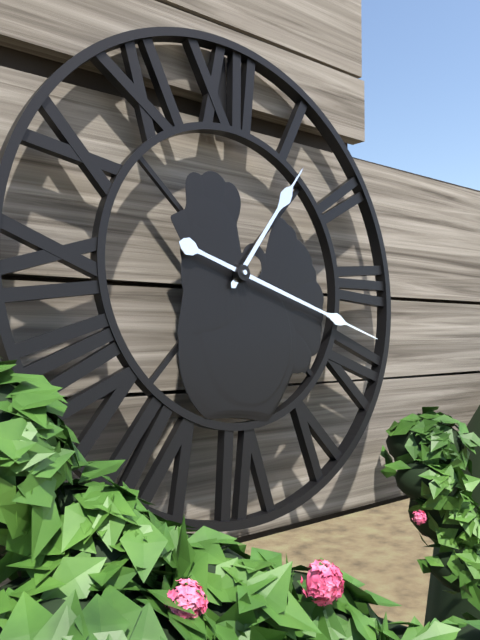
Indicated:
1 h 18 min
